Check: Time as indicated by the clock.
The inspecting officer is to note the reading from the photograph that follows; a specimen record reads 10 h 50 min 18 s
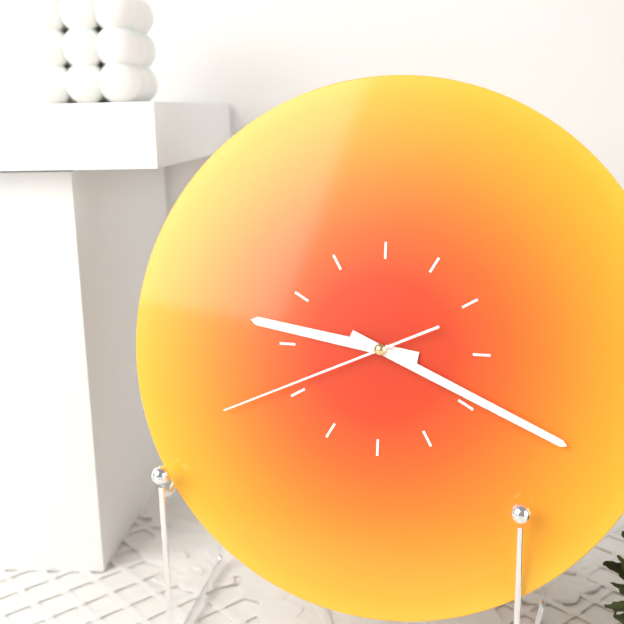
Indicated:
9 h 19 min 41 s
